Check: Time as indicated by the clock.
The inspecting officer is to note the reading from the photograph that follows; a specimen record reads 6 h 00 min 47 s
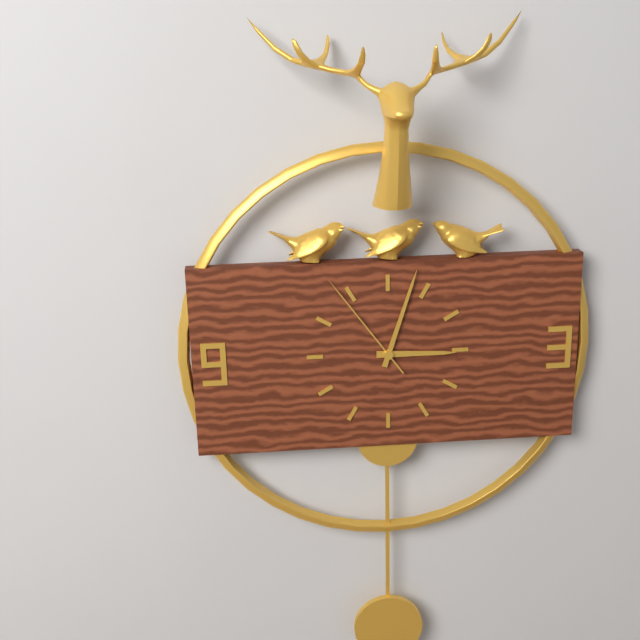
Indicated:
3 h 03 min 54 s
